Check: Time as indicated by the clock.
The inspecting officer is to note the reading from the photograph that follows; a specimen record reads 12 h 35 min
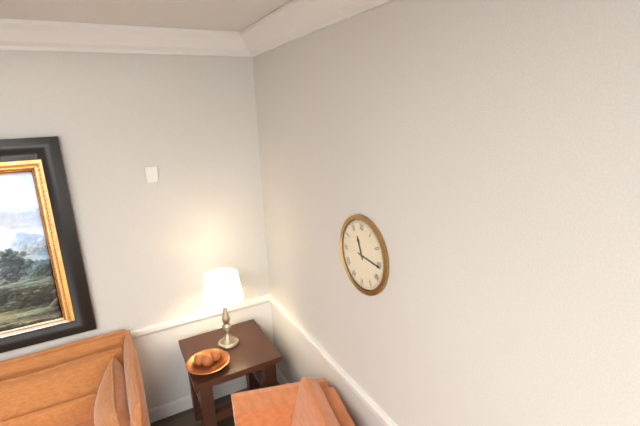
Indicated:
11 h 16 min
